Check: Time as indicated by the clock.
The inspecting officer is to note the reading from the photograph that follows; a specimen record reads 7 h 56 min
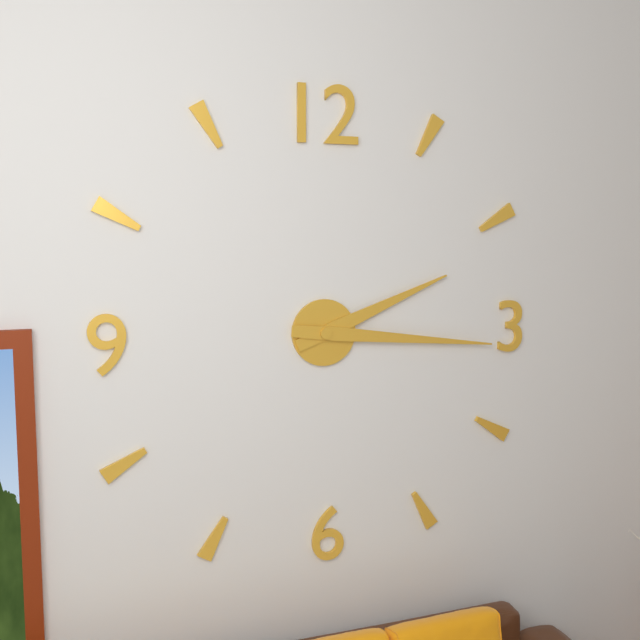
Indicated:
2 h 16 min
